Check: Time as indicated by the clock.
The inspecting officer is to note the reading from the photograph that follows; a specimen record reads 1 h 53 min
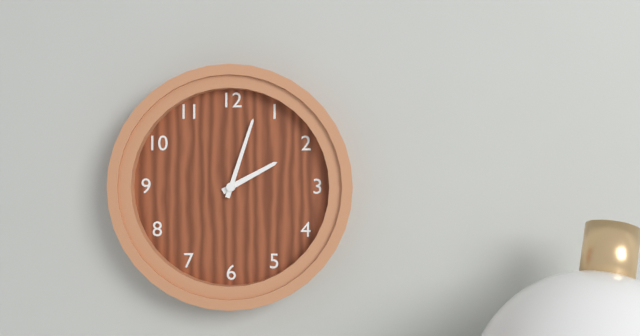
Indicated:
2 h 03 min
